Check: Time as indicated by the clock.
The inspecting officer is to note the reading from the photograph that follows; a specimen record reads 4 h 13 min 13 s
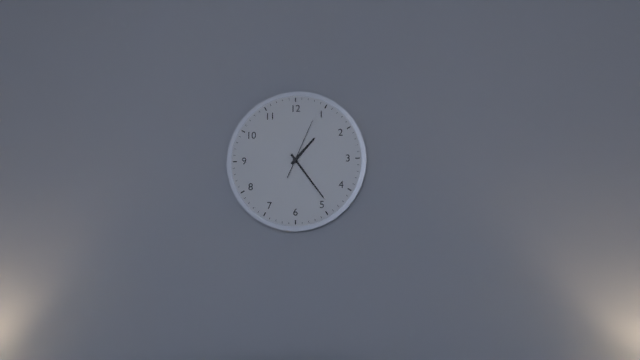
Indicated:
1 h 24 min 04 s
